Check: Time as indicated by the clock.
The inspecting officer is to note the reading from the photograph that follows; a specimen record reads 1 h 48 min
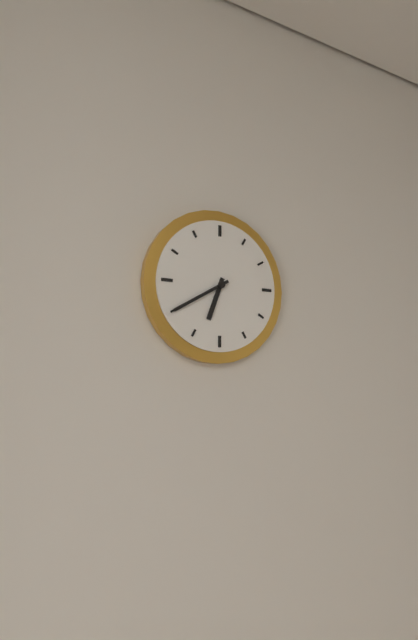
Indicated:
6 h 40 min
